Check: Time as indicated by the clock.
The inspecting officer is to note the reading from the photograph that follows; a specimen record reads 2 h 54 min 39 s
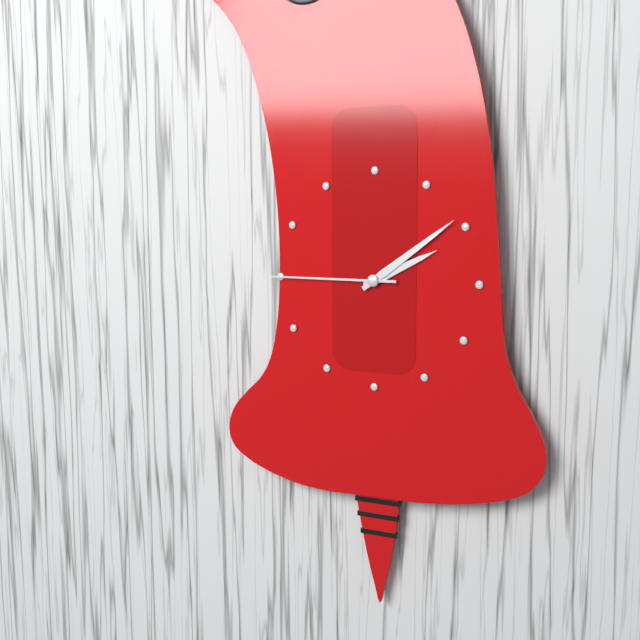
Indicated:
2 h 09 min 45 s
